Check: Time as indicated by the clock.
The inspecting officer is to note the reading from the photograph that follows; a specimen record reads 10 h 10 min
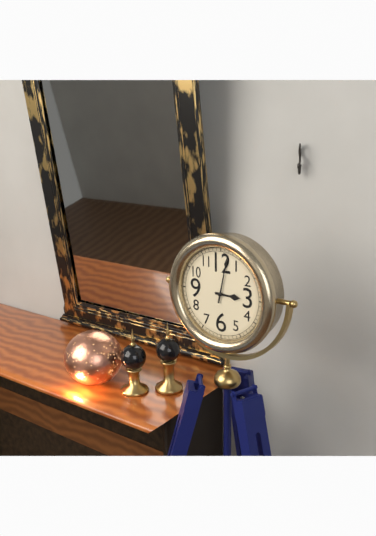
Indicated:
3 h 02 min
